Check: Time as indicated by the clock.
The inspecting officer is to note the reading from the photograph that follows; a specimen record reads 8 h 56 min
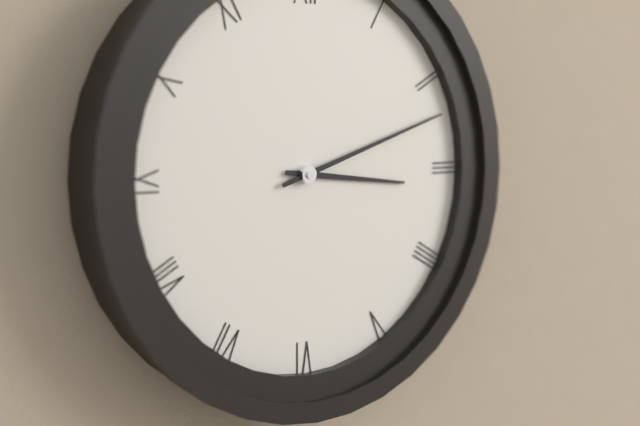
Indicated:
3 h 12 min
